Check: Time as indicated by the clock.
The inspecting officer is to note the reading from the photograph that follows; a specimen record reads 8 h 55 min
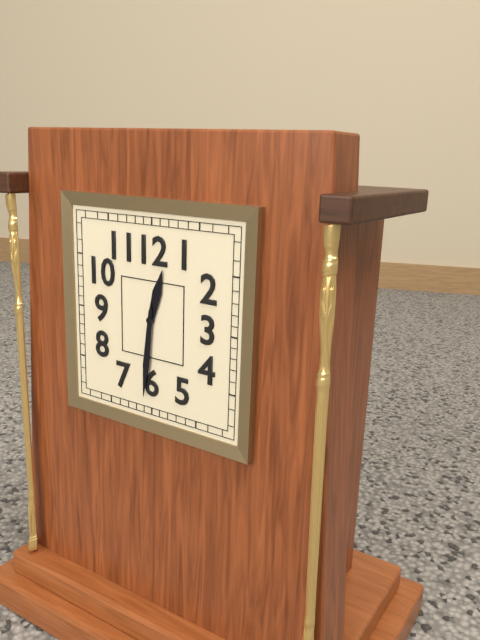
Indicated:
12 h 31 min
